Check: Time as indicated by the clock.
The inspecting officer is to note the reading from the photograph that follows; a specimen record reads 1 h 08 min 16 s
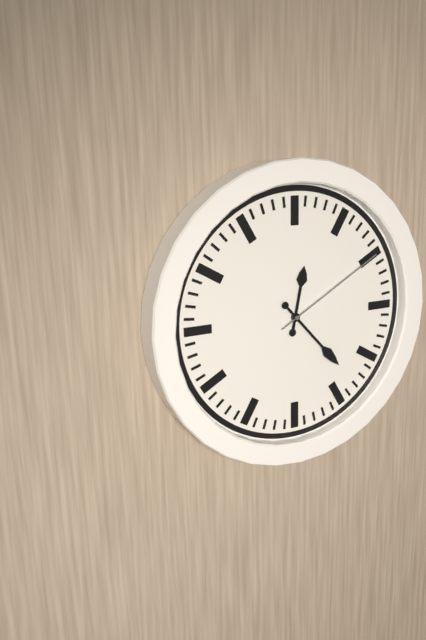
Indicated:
12 h 23 min 10 s
